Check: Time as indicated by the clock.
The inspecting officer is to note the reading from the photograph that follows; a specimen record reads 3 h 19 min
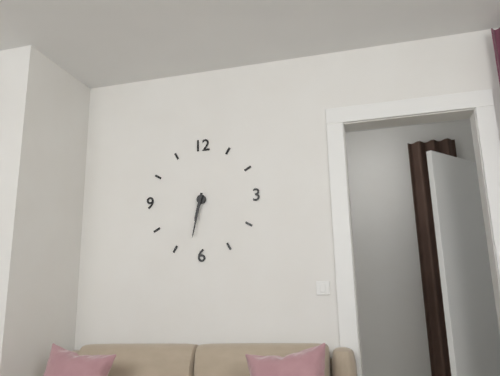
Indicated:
6 h 32 min
